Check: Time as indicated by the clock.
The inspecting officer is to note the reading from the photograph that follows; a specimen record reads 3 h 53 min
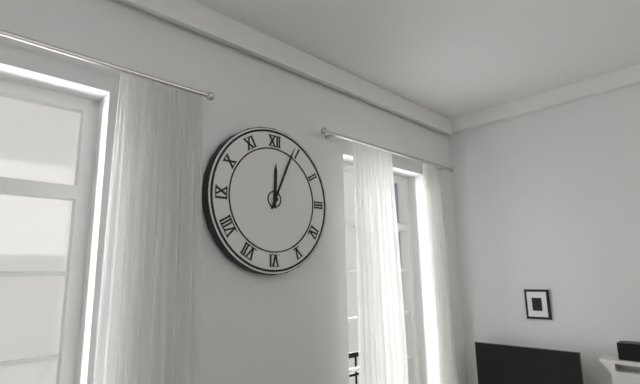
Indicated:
12 h 04 min
